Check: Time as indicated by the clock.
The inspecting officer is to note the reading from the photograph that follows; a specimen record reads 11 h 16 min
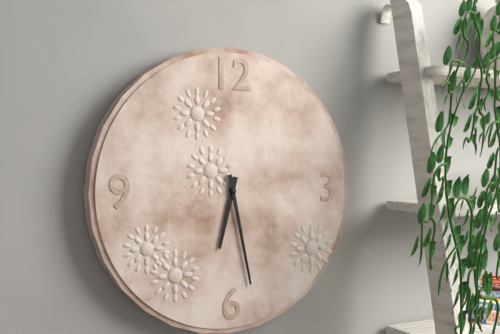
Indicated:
6 h 28 min
